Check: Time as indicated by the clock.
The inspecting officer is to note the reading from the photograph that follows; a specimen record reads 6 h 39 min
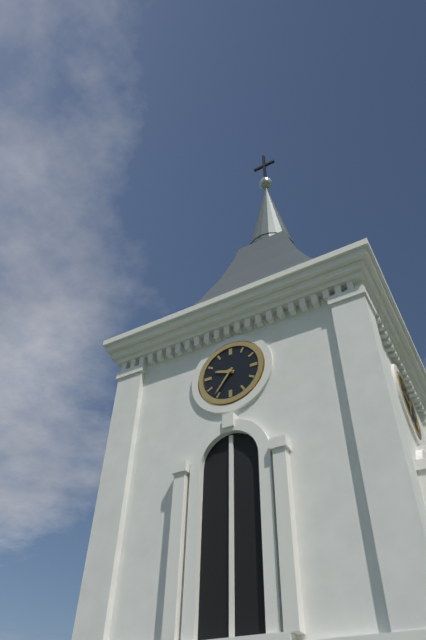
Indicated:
9 h 36 min
